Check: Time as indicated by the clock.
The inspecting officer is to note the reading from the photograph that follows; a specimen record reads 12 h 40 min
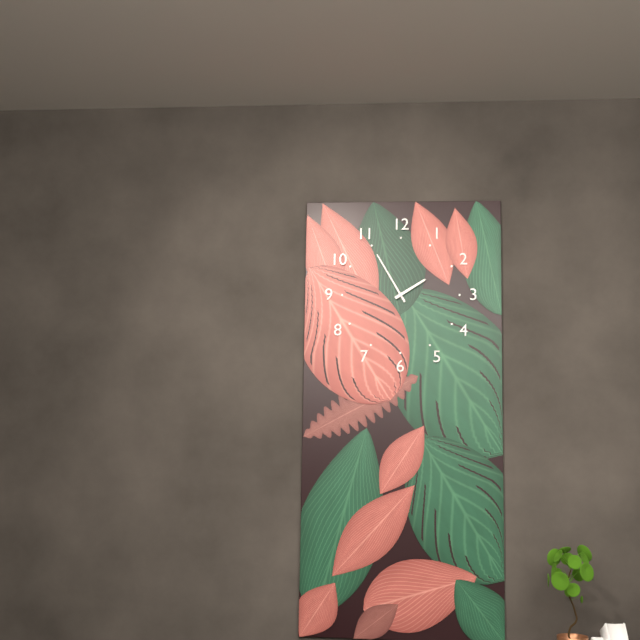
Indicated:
1 h 55 min
